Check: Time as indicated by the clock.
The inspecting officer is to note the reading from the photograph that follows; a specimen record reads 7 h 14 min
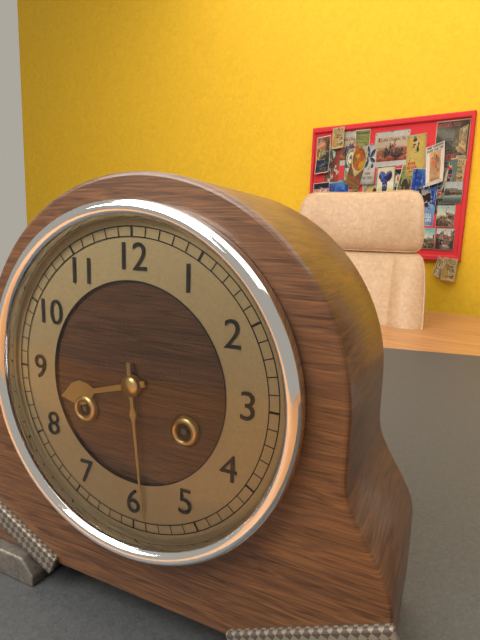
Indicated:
8 h 29 min
